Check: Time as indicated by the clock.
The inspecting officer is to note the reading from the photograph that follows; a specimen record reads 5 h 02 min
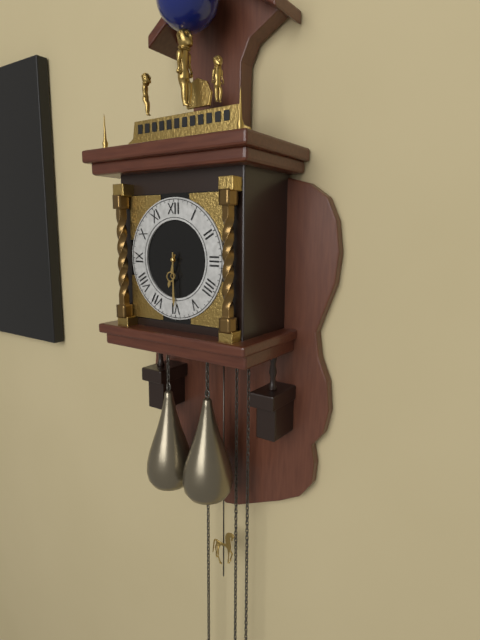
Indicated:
6 h 30 min
